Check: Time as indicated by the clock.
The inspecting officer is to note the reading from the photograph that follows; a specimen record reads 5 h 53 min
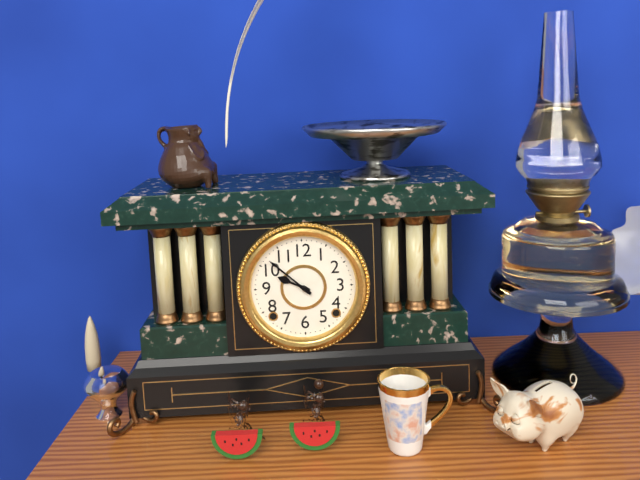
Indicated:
9 h 52 min
